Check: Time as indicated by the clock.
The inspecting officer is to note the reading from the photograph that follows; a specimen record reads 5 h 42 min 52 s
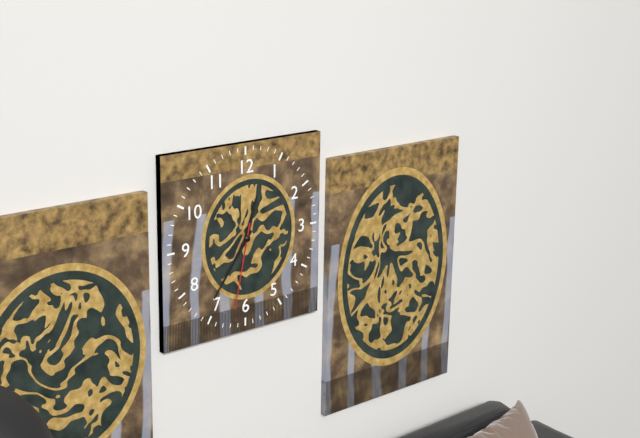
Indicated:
12 h 36 min 32 s
